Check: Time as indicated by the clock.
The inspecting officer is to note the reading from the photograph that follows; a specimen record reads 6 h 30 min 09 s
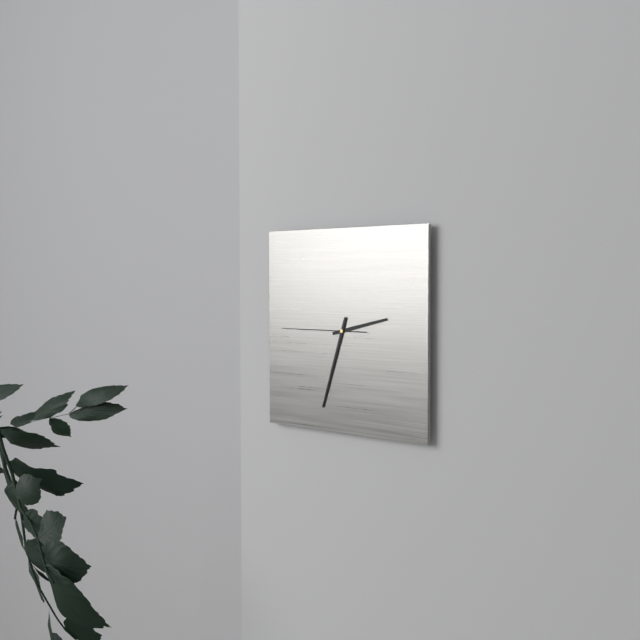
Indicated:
2 h 33 min 45 s
